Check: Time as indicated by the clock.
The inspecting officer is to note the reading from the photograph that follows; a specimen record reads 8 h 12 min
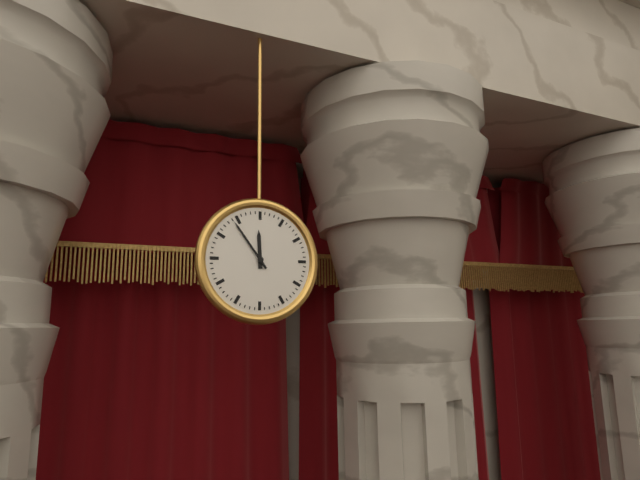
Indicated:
11 h 54 min
